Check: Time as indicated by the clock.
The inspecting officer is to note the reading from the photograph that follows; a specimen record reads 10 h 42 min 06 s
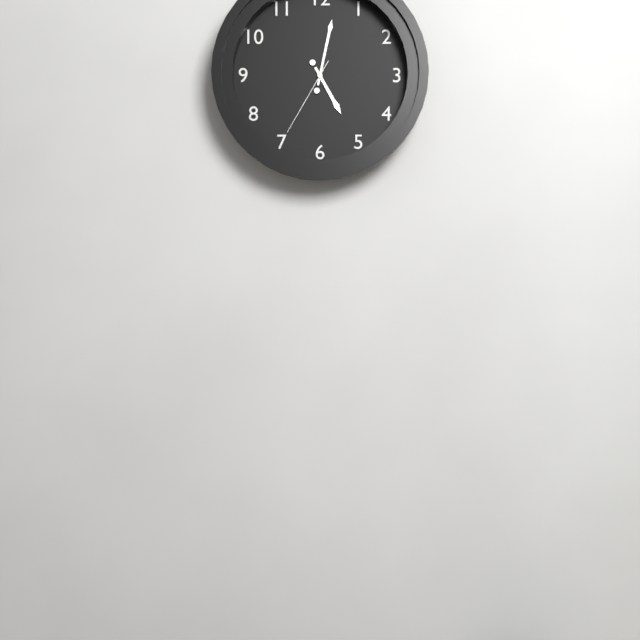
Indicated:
5 h 02 min 35 s
